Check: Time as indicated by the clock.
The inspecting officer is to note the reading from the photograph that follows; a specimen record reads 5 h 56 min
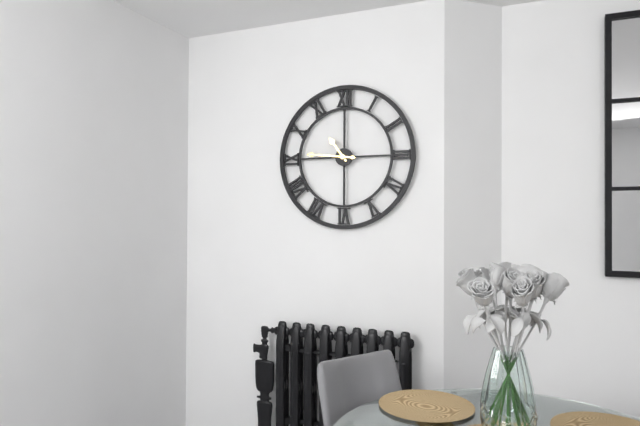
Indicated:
10 h 46 min
